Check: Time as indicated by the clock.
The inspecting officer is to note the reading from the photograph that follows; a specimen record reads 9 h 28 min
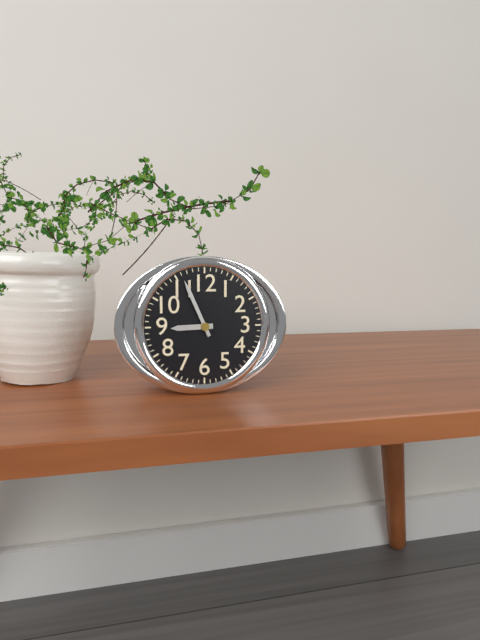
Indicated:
8 h 56 min
